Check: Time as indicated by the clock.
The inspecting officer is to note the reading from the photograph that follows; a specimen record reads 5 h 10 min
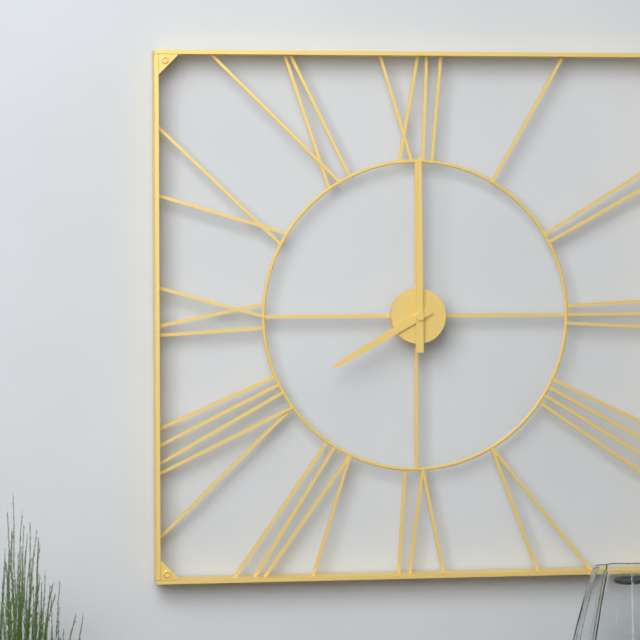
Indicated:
8 h 00 min
